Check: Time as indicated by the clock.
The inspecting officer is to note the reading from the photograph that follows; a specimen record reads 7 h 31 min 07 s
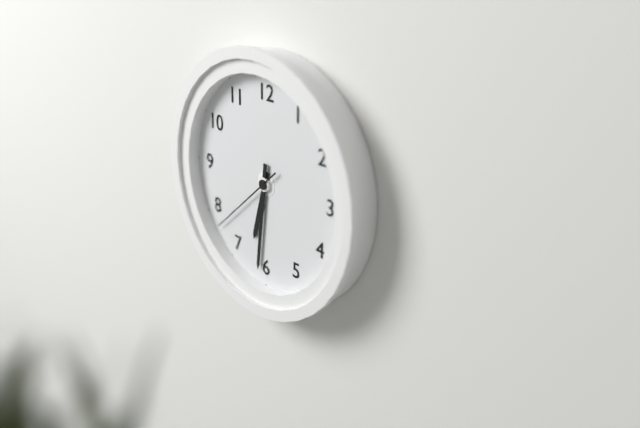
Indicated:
6 h 31 min 38 s
